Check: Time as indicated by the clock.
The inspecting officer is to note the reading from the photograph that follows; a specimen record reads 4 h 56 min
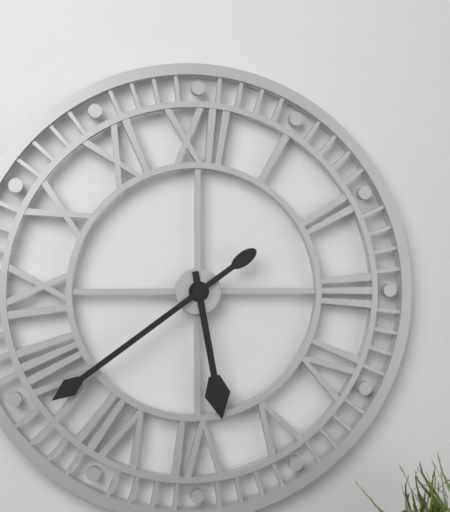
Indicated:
5 h 39 min
